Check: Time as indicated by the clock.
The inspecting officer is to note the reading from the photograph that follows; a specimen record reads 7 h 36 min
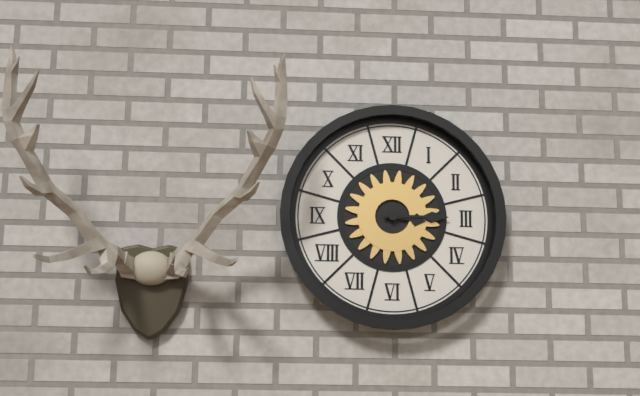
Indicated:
3 h 15 min
